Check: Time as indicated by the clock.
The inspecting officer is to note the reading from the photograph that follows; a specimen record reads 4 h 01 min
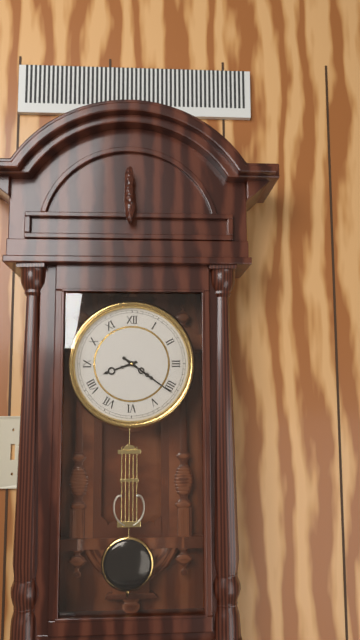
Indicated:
8 h 21 min
